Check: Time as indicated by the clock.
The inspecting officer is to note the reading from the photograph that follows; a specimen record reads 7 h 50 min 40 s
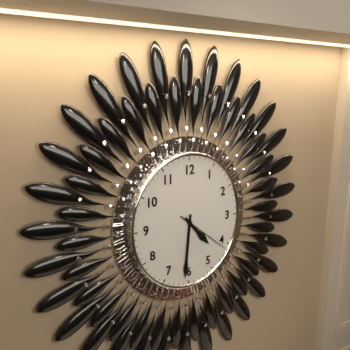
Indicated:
4 h 31 min 21 s
